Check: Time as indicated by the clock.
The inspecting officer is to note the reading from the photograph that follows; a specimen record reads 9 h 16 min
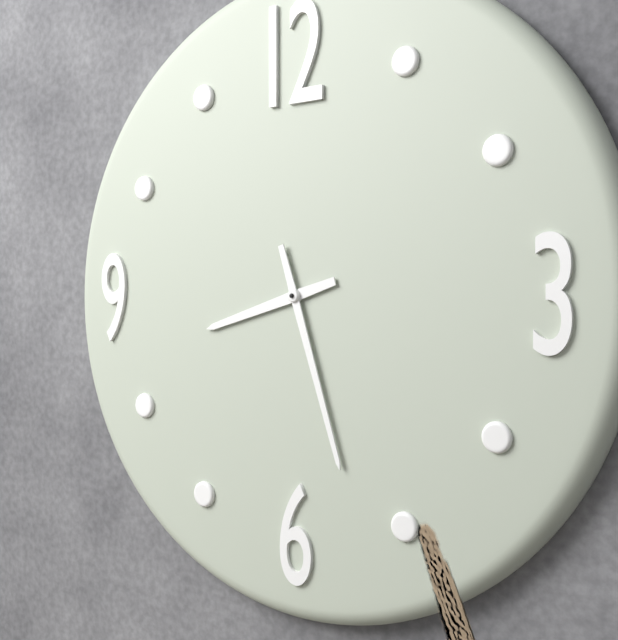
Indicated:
8 h 27 min
